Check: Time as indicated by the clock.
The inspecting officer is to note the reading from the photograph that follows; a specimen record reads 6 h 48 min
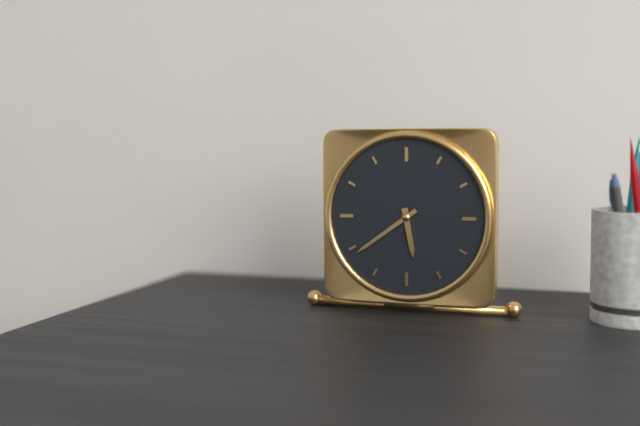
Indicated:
5 h 39 min
